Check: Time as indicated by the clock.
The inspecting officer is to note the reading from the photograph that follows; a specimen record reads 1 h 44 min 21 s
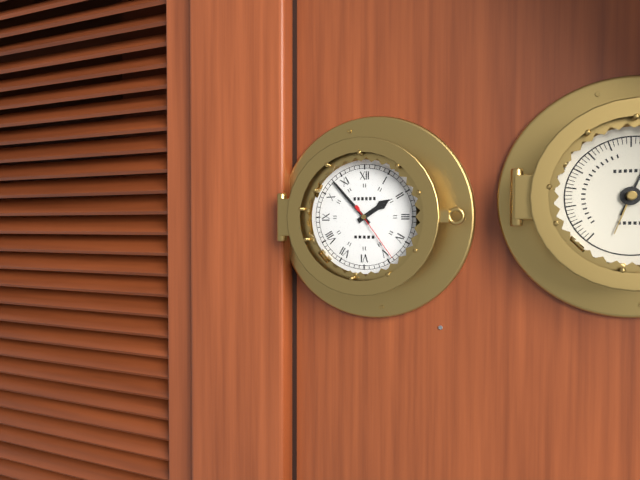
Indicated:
1 h 53 min 24 s
